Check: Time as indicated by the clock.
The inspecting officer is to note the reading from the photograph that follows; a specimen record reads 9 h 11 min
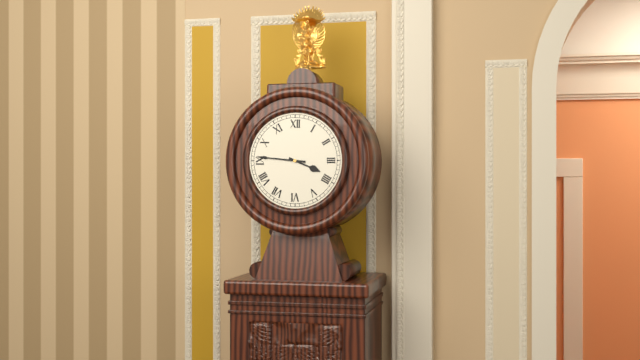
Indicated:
3 h 46 min
